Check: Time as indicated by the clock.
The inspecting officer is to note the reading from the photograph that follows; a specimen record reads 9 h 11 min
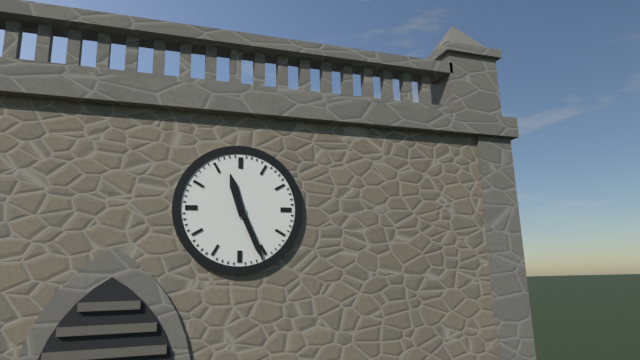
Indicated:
11 h 26 min
